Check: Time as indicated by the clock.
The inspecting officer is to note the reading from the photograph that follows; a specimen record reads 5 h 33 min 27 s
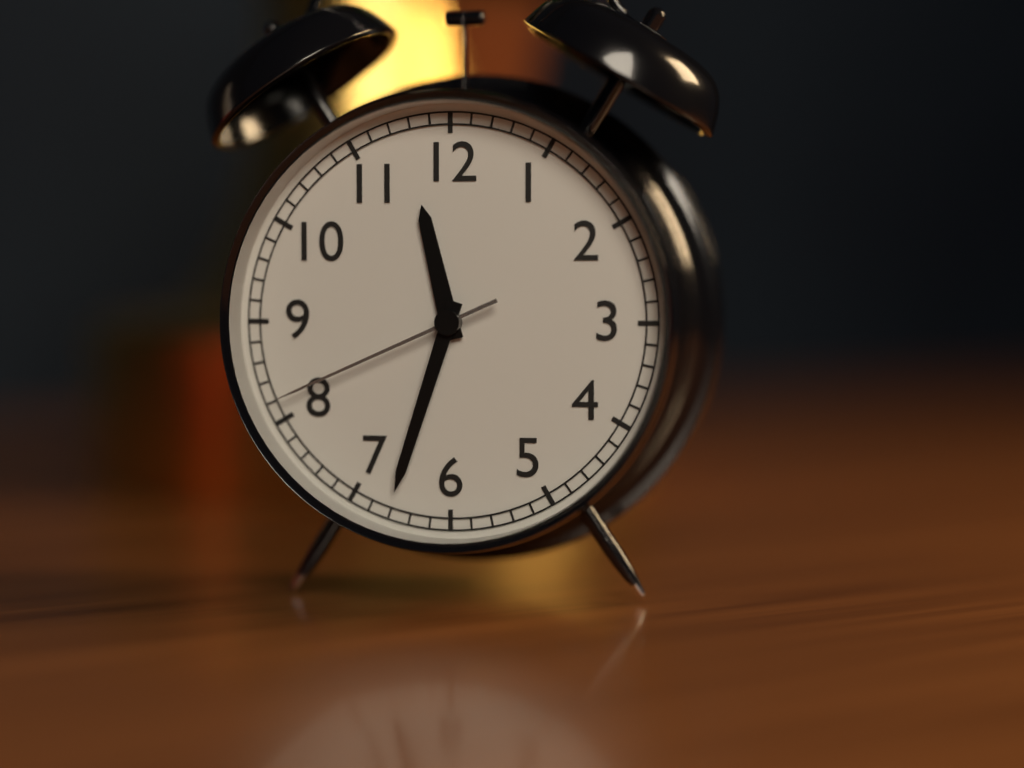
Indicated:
11 h 33 min 41 s
